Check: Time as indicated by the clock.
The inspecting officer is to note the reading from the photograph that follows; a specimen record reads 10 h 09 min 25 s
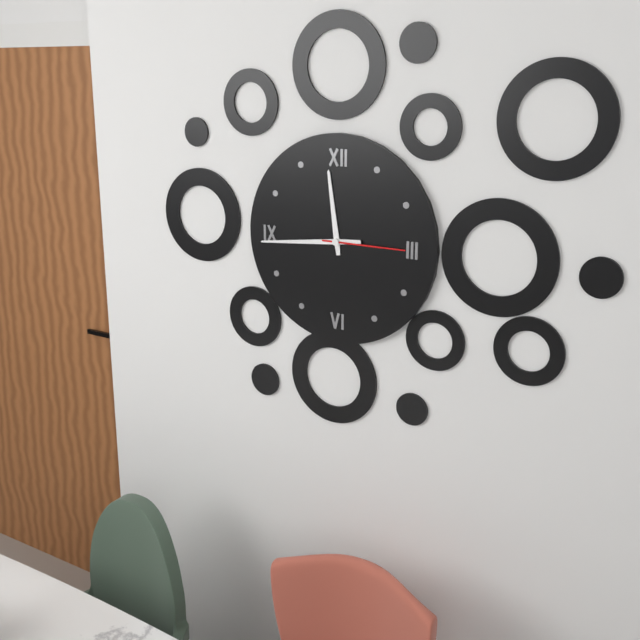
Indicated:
11 h 44 min 15 s
